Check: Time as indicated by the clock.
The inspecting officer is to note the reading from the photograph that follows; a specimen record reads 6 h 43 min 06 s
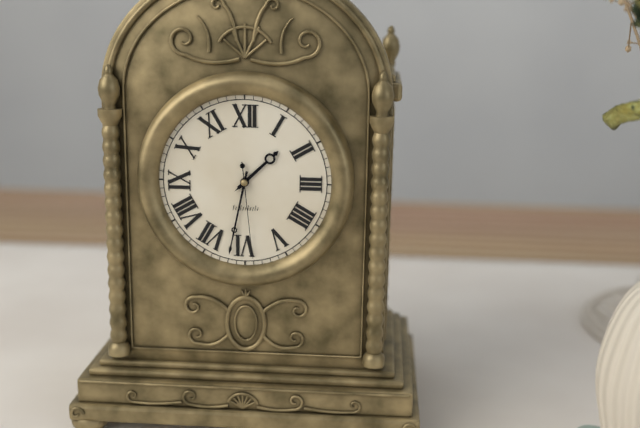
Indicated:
1 h 32 min 29 s
